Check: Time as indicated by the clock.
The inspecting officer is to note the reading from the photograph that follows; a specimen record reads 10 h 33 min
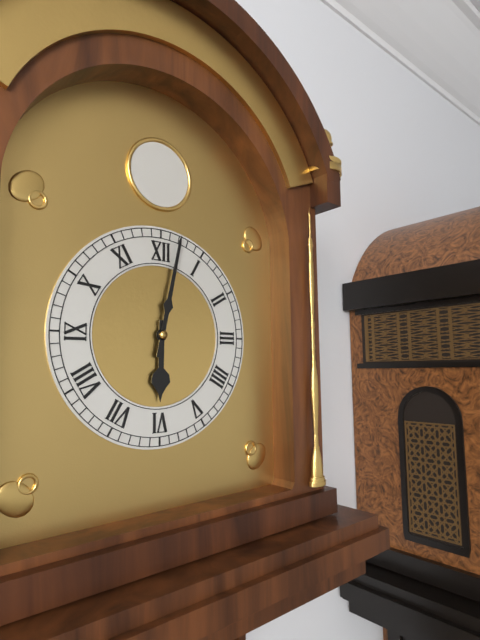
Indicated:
6 h 02 min
